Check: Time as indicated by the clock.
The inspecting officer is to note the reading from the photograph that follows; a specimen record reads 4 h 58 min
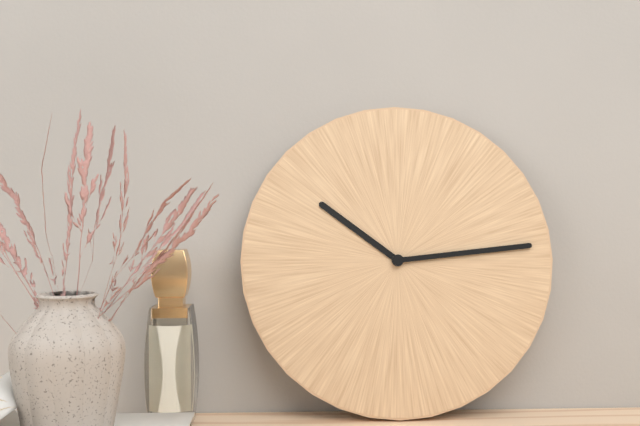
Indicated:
10 h 14 min
